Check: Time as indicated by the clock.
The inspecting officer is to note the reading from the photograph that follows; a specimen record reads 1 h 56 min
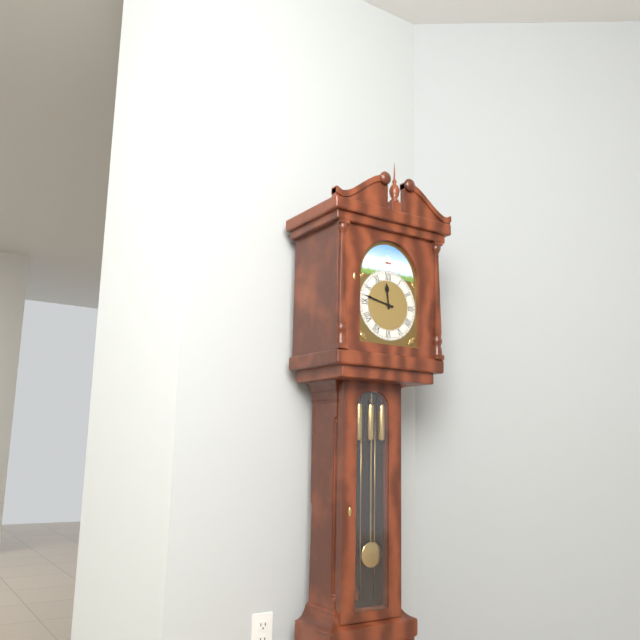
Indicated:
11 h 47 min
